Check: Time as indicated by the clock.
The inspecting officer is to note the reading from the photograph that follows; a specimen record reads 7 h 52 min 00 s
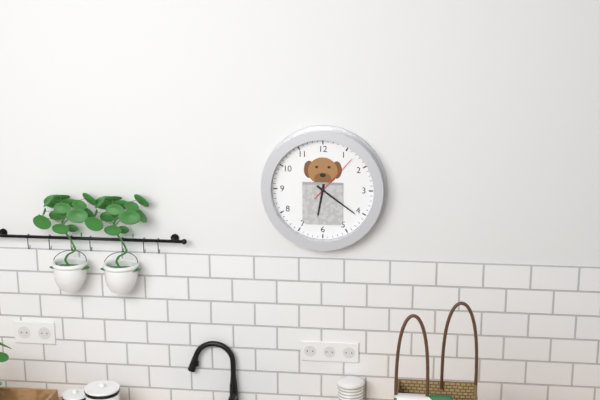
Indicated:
6 h 21 min 07 s
